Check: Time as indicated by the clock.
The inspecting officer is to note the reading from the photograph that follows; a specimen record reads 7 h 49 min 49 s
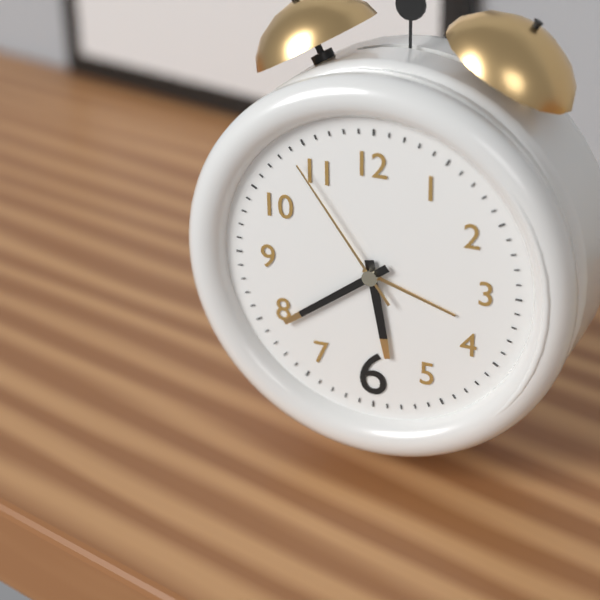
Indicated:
5 h 39 min 54 s
